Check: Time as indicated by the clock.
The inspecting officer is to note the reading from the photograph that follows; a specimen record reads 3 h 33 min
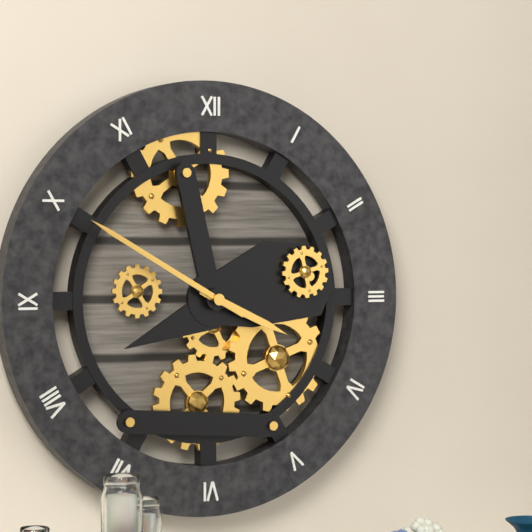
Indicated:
3 h 50 min
